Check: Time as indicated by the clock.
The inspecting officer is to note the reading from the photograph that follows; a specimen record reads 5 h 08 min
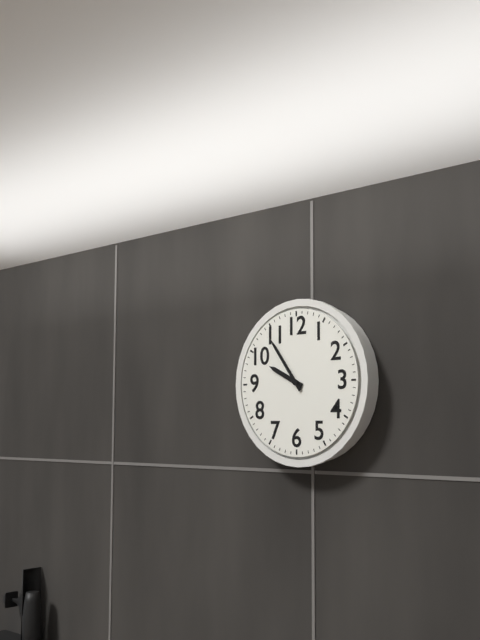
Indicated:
9 h 54 min
